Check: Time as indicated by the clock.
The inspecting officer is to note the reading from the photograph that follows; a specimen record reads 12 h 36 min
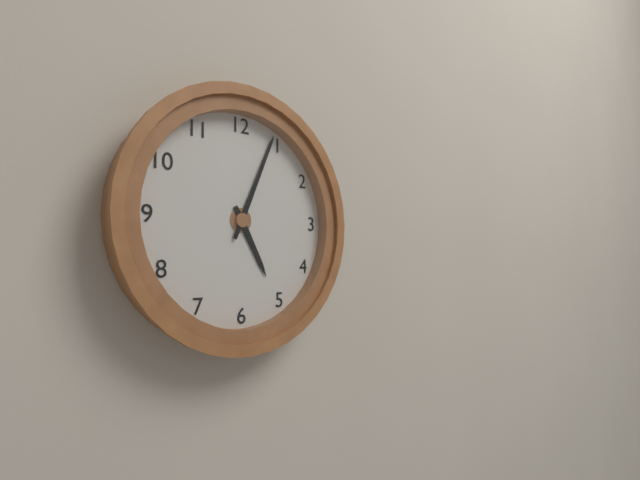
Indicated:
5 h 04 min
